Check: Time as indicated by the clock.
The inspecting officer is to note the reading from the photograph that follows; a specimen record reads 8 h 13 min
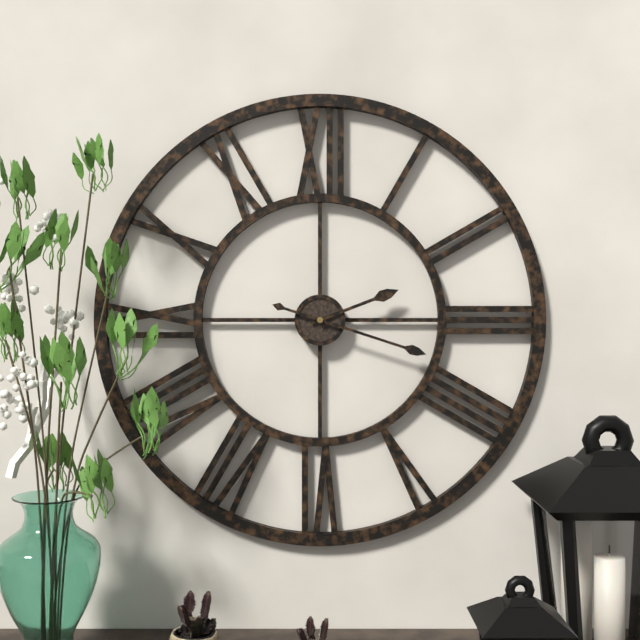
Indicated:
2 h 18 min
